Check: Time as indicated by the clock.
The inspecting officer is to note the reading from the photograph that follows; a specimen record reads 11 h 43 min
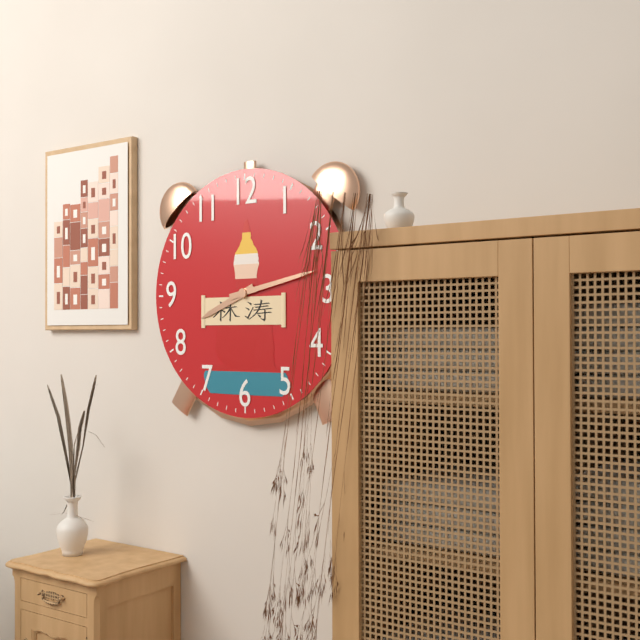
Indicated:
8 h 13 min
